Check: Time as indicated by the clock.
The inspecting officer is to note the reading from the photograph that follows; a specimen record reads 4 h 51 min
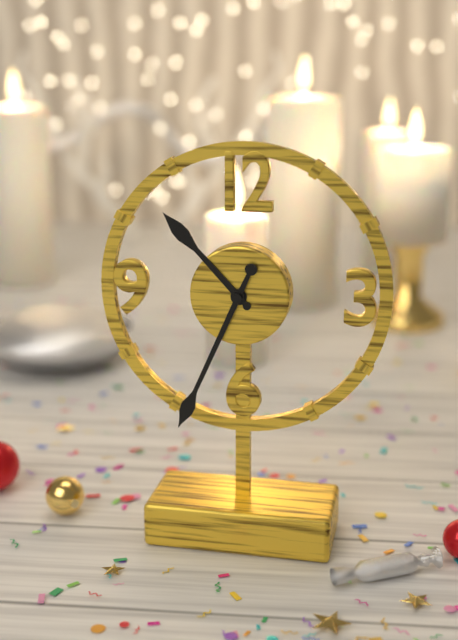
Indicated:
10 h 34 min
